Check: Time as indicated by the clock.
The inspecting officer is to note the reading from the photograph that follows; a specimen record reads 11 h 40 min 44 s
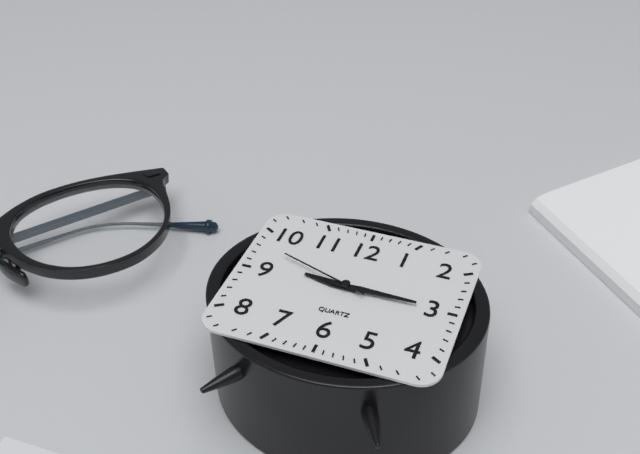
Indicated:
9 h 15 min 48 s
